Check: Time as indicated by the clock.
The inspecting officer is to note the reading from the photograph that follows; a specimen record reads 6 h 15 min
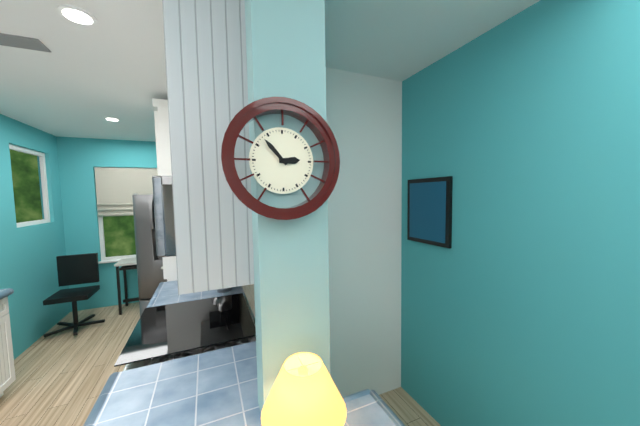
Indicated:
2 h 53 min
